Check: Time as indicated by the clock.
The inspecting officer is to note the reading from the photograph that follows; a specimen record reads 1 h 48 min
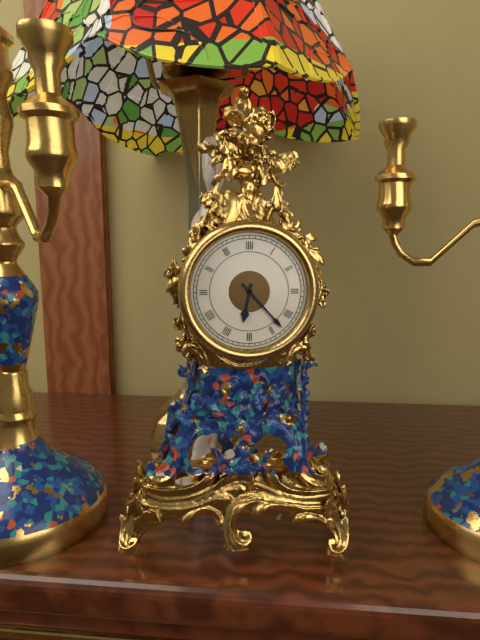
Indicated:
6 h 23 min
